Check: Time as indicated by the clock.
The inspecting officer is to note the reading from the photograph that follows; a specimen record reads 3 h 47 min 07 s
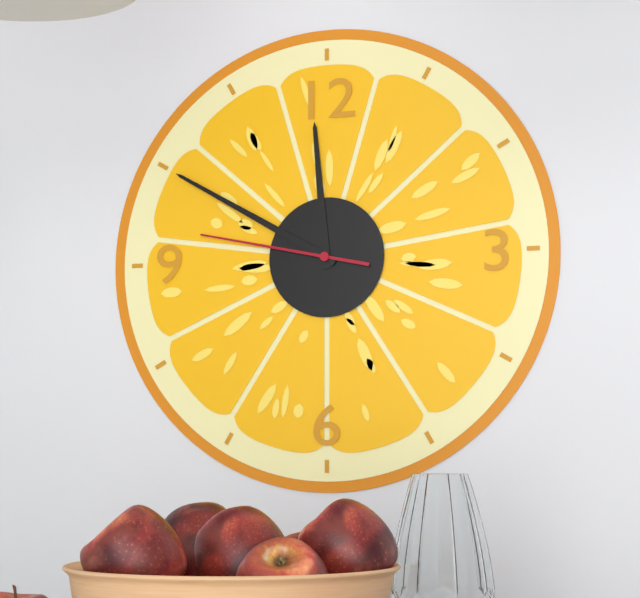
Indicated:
11 h 50 min 47 s
